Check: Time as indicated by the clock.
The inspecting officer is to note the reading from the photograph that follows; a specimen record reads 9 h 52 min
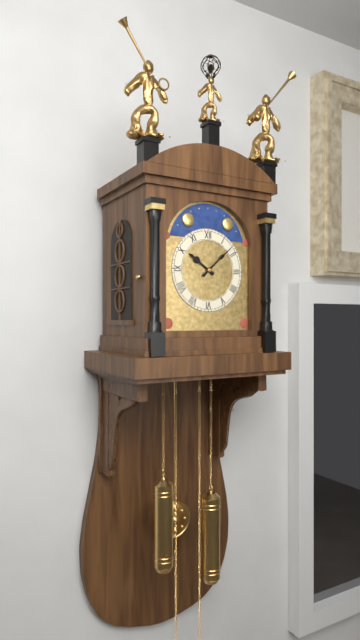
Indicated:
10 h 08 min
